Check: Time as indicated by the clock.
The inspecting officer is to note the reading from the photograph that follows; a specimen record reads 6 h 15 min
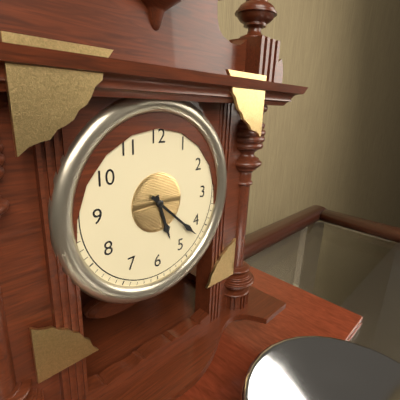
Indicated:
5 h 22 min
